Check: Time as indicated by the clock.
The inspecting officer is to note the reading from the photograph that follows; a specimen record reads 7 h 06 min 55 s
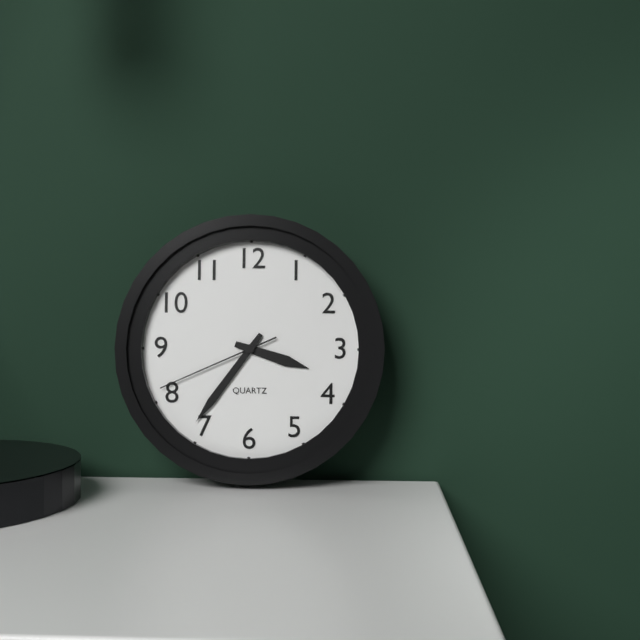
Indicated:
3 h 36 min 41 s
